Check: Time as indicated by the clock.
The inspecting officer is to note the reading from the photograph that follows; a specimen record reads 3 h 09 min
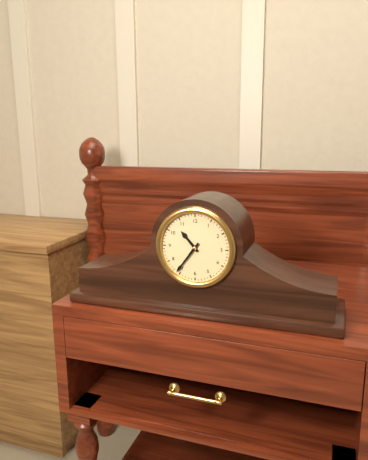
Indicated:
10 h 36 min
